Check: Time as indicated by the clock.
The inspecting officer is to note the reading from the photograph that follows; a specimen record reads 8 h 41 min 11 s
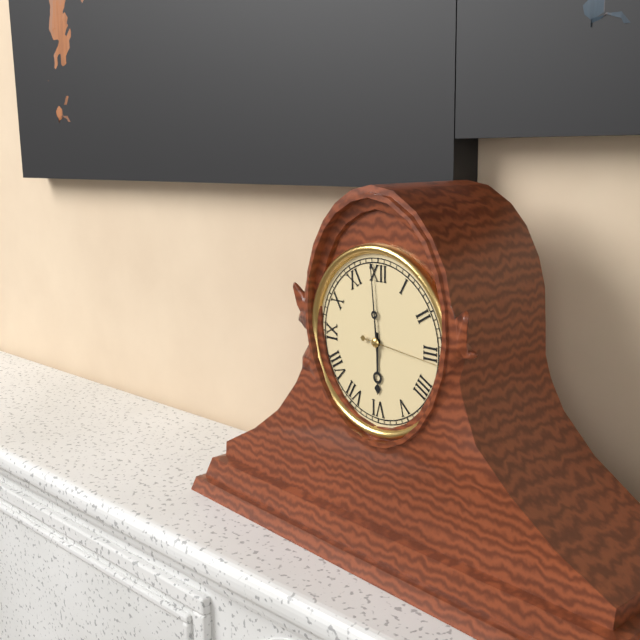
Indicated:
5 h 59 min 16 s
